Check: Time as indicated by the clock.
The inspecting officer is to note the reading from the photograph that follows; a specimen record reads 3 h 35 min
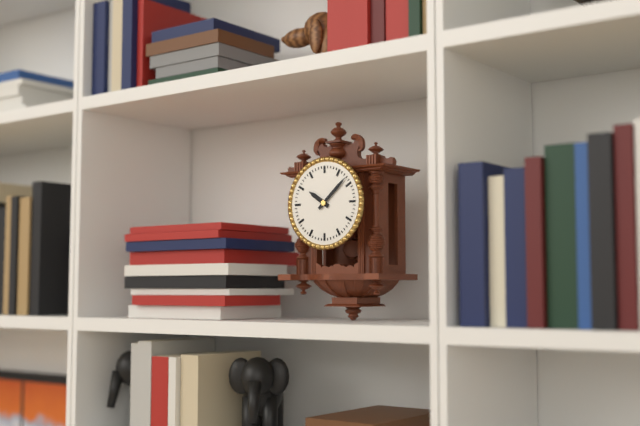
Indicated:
10 h 08 min
